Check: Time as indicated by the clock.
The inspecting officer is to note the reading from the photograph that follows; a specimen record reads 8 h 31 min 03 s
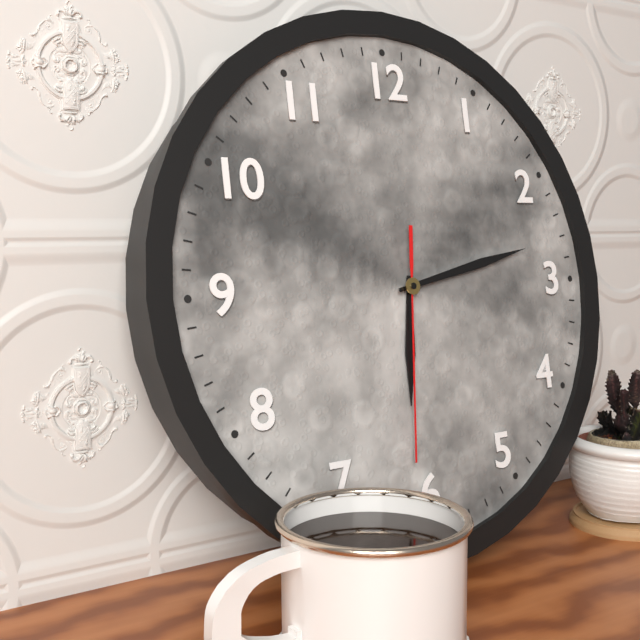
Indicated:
6 h 13 min 31 s
